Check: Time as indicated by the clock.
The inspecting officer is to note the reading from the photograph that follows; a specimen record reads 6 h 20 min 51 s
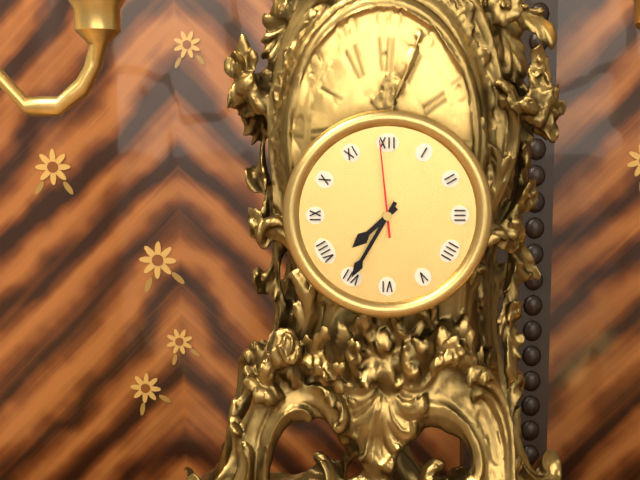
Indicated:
7 h 35 min 59 s
